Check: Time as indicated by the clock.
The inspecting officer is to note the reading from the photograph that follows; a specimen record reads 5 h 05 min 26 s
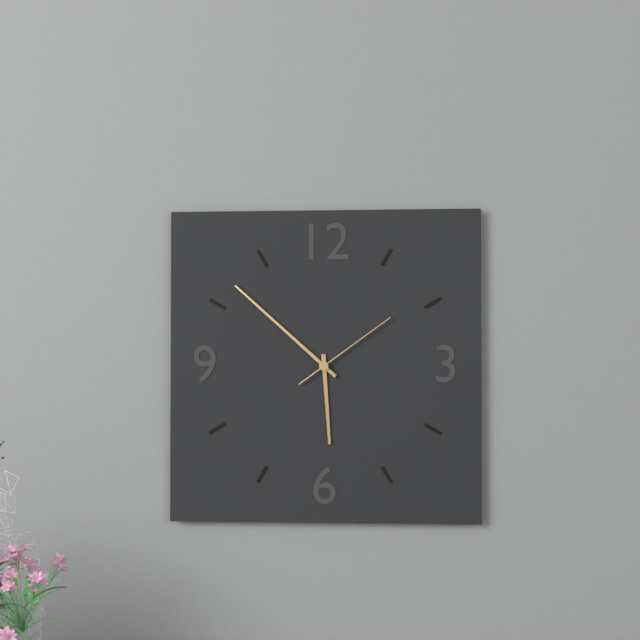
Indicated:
5 h 52 min 09 s
